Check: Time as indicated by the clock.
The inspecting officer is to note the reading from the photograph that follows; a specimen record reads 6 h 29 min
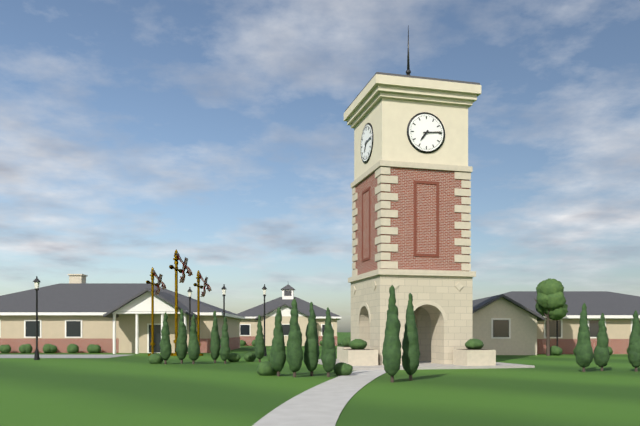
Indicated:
7 h 14 min
